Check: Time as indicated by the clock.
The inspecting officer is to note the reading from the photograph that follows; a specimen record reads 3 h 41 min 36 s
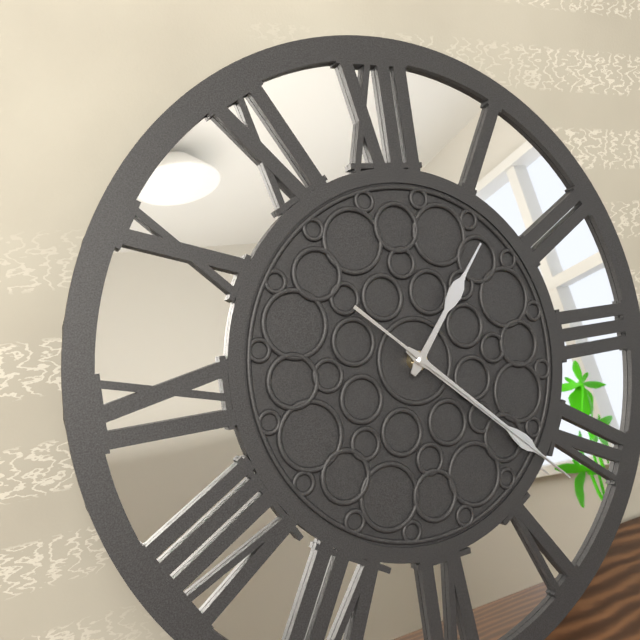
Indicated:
1 h 22 min 22 s
